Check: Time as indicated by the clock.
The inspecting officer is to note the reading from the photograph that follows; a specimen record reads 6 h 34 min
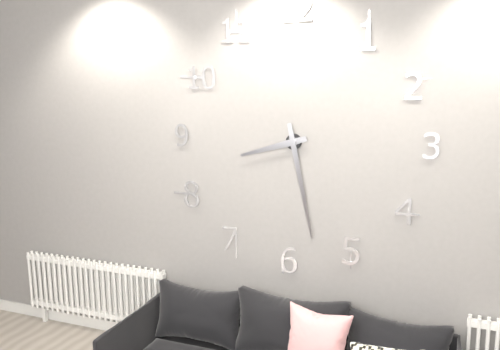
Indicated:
8 h 28 min
